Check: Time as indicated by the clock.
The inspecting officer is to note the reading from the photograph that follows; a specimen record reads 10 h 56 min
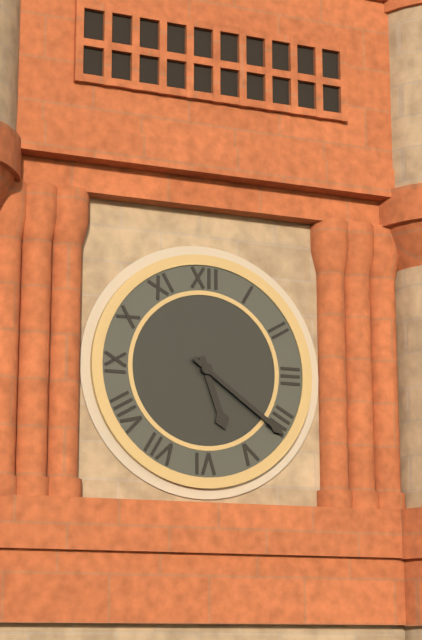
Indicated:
5 h 21 min
